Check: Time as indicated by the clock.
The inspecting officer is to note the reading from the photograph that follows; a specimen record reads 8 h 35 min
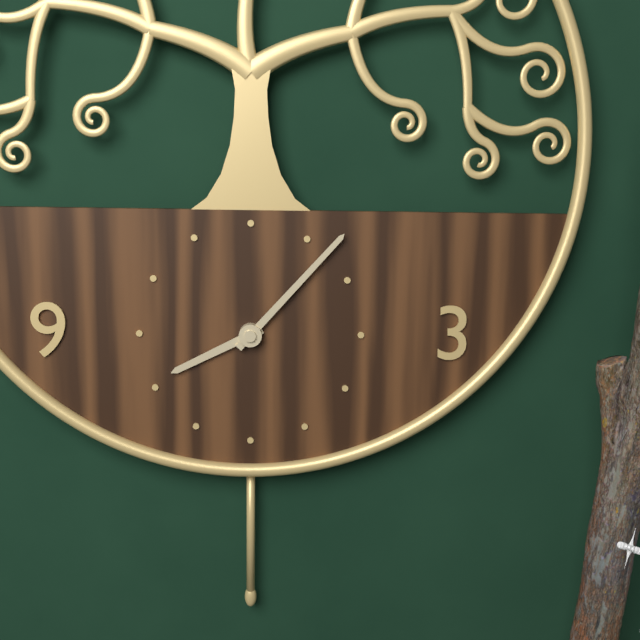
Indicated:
8 h 07 min
